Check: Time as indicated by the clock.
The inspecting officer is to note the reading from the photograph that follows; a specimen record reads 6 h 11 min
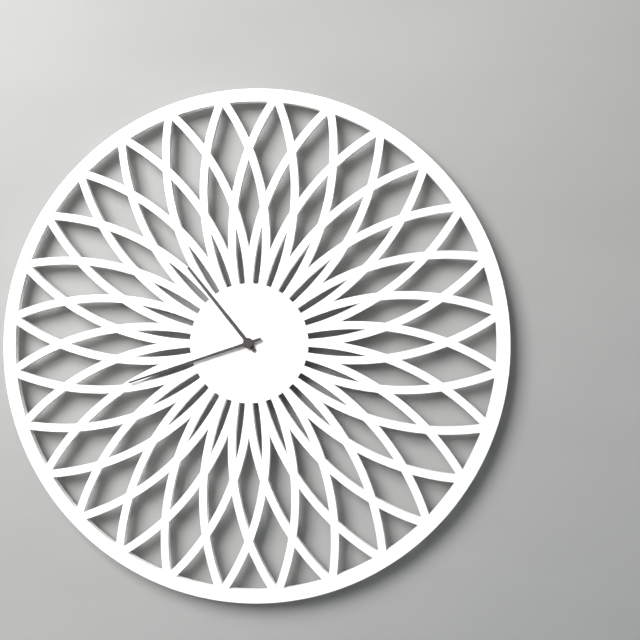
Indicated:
10 h 42 min
